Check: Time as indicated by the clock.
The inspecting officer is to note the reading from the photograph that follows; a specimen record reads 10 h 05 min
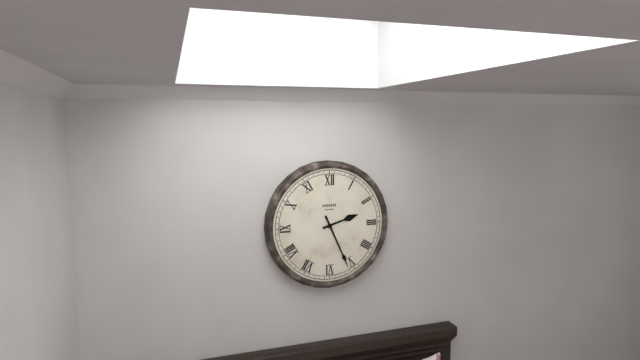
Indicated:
2 h 26 min
